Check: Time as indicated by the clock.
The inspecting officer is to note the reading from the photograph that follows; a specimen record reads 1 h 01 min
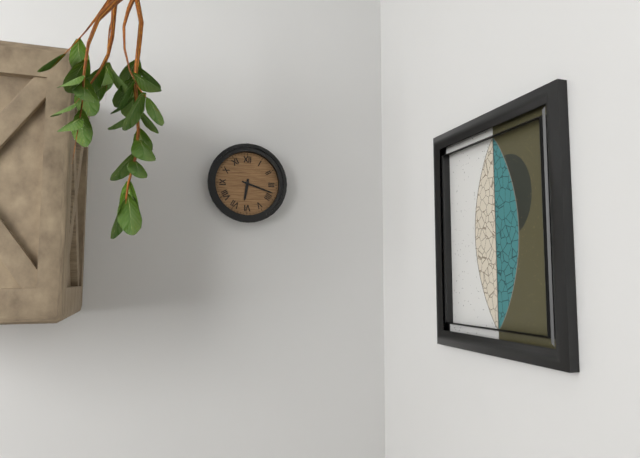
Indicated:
6 h 18 min
